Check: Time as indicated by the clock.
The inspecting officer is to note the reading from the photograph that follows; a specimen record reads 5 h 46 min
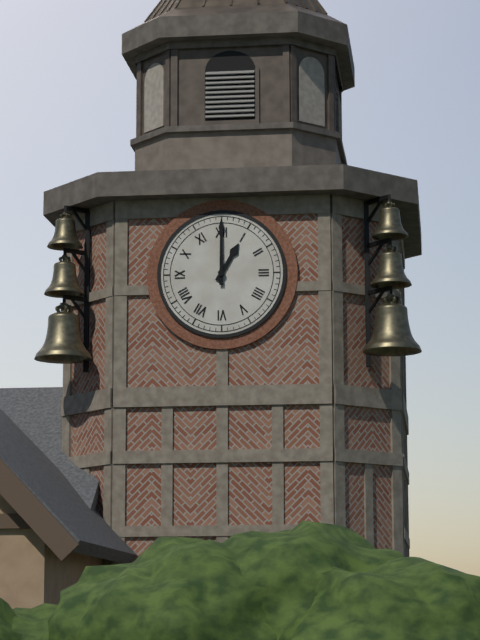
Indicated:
1 h 00 min
